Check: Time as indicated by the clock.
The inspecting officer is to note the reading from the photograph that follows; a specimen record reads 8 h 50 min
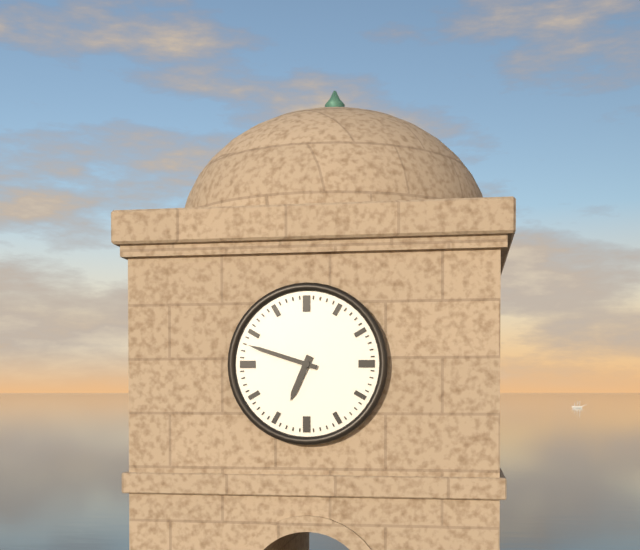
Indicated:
6 h 48 min
